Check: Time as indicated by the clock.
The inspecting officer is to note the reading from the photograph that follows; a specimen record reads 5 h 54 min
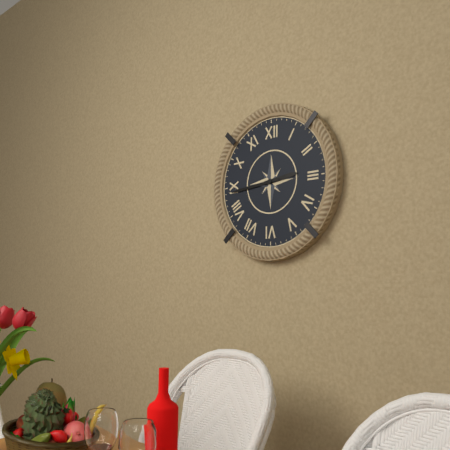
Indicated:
2 h 44 min
